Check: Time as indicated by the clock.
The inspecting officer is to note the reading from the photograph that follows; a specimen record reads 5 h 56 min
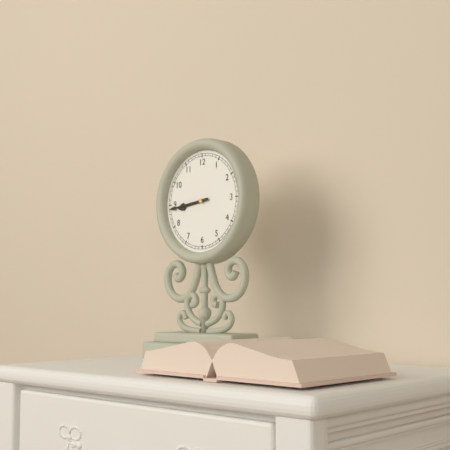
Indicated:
8 h 44 min
